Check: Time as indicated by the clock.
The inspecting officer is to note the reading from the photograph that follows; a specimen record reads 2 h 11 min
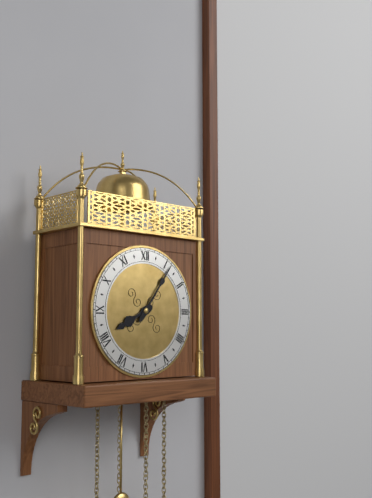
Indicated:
8 h 06 min
